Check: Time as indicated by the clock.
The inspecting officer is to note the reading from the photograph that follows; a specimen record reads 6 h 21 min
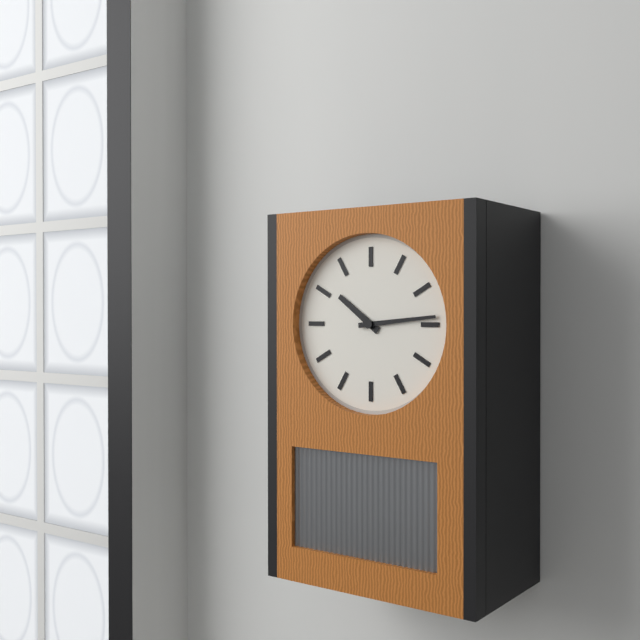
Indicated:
10 h 14 min
